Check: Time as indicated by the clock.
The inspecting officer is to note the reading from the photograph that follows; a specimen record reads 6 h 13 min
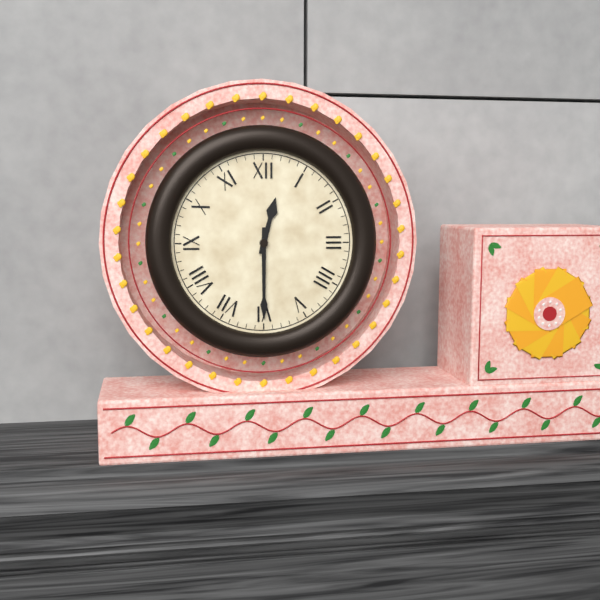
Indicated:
12 h 30 min
